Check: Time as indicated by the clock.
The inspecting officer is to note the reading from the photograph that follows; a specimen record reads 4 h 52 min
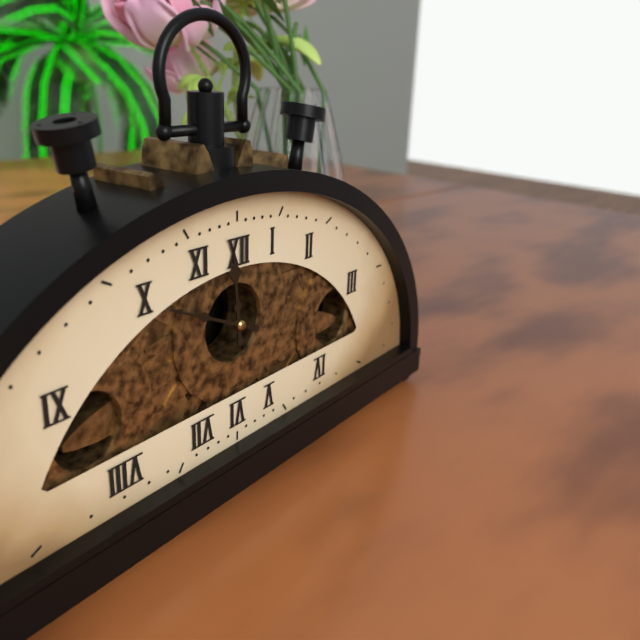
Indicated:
11 h 49 min
